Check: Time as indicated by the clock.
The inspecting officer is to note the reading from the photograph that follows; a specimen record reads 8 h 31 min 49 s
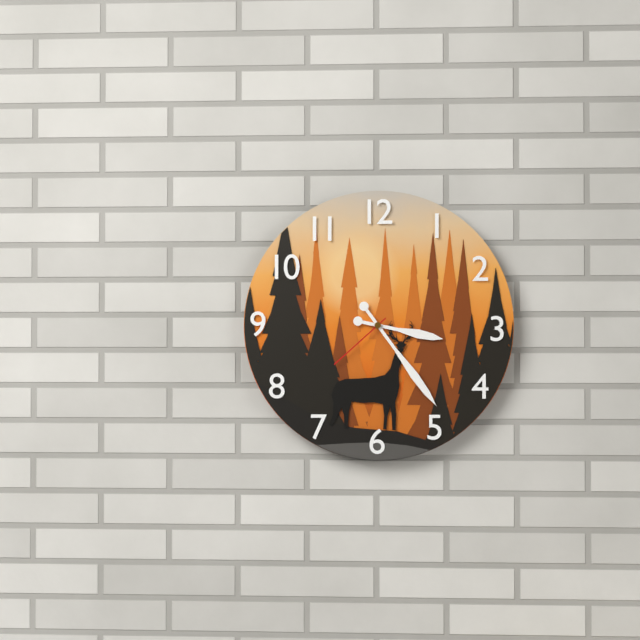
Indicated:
3 h 24 min 38 s
